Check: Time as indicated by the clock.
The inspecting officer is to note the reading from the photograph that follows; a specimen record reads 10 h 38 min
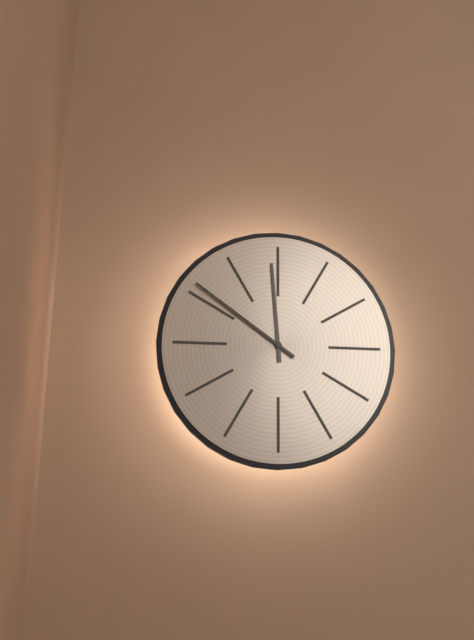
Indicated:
11 h 51 min
